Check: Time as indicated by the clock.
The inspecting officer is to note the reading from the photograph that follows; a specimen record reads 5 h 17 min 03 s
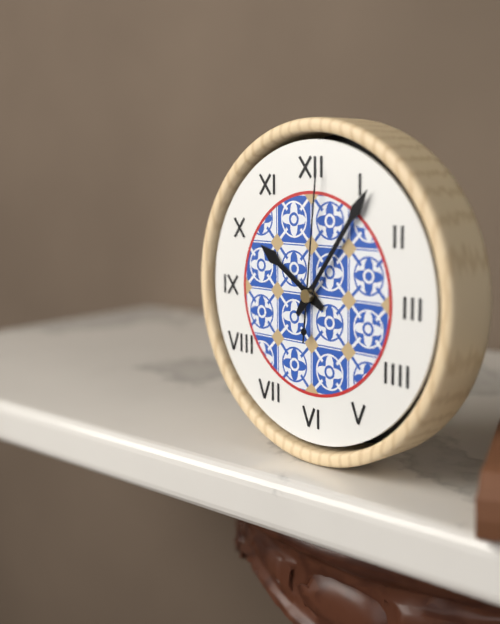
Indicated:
10 h 06 min 01 s
